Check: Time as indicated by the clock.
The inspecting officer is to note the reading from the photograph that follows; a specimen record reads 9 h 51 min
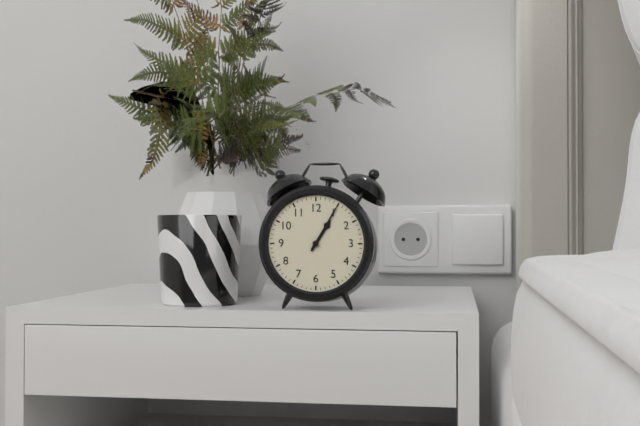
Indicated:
1 h 05 min
